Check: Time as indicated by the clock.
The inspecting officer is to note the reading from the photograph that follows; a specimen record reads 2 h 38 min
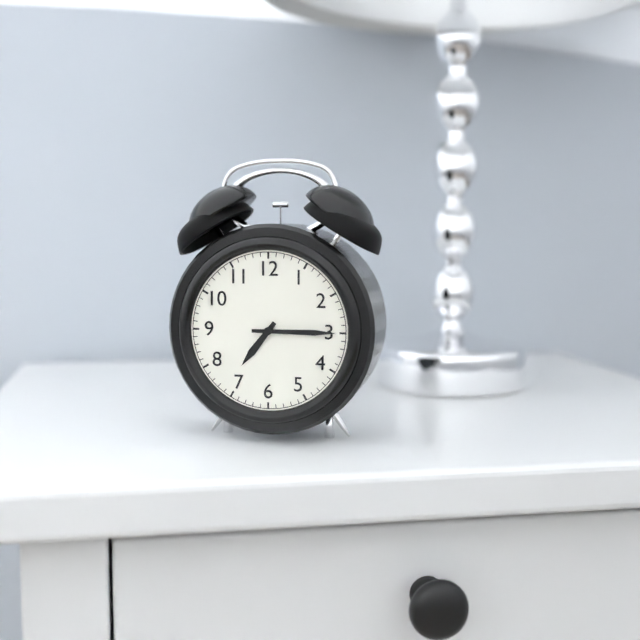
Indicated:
7 h 15 min
